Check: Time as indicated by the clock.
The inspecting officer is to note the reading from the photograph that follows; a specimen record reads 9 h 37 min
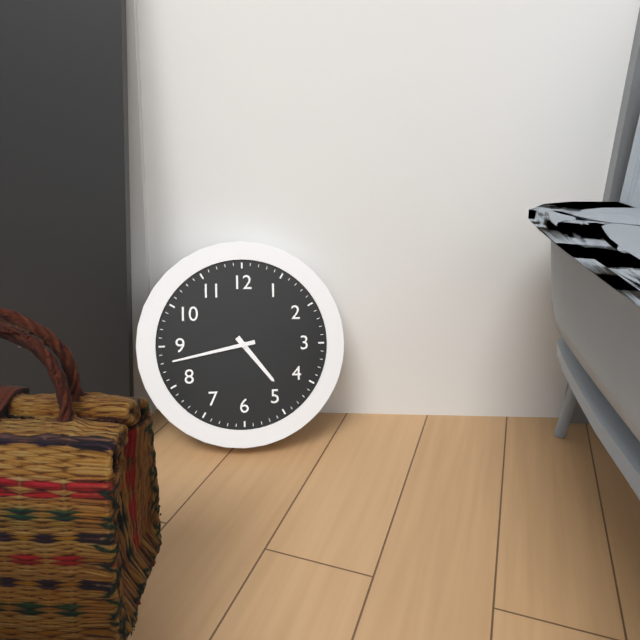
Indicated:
4 h 43 min
